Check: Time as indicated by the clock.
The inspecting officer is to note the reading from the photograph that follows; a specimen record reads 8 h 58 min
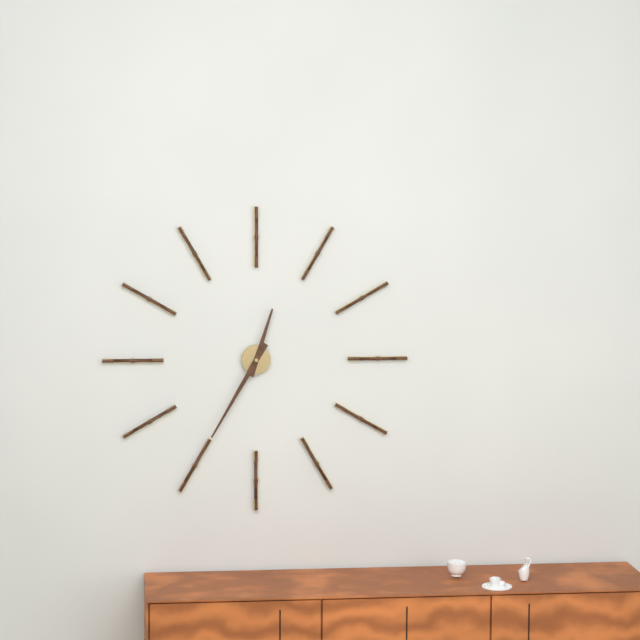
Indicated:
12 h 35 min
